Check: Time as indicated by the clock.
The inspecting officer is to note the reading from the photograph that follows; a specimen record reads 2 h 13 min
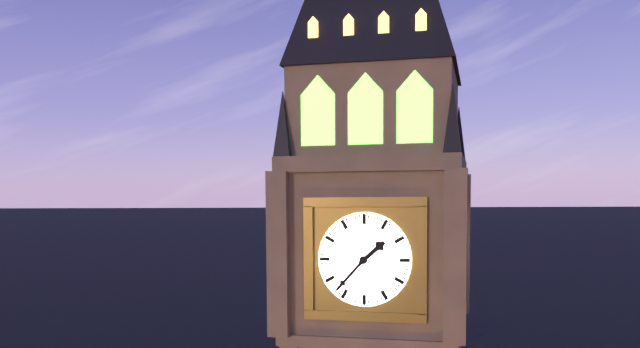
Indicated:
1 h 37 min
